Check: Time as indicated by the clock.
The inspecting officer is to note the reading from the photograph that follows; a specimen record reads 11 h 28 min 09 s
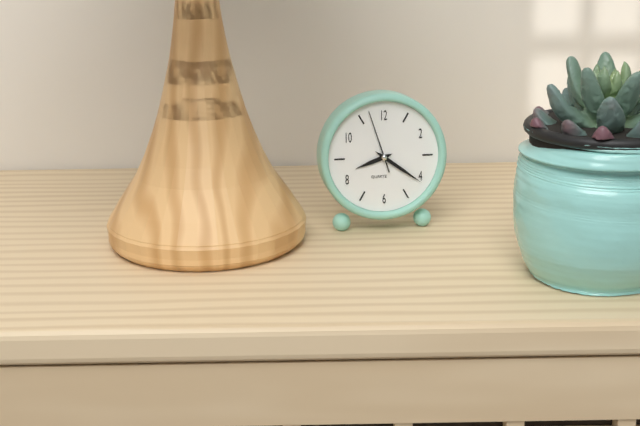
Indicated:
8 h 21 min 57 s
